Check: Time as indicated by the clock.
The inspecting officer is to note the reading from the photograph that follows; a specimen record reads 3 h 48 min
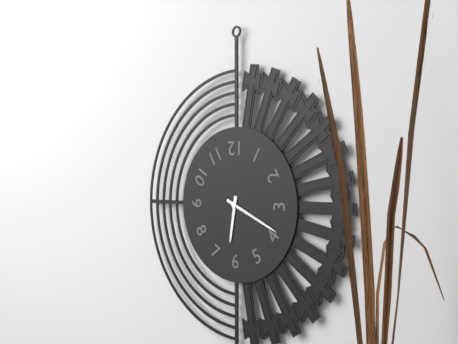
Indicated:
6 h 19 min
